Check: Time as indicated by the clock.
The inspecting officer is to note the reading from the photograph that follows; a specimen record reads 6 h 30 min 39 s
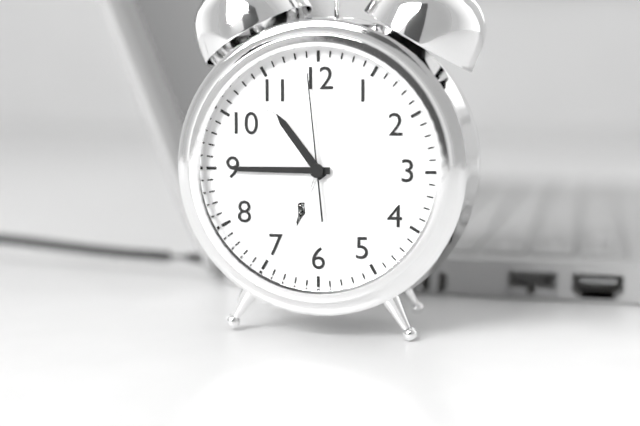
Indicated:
10 h 45 min 59 s
